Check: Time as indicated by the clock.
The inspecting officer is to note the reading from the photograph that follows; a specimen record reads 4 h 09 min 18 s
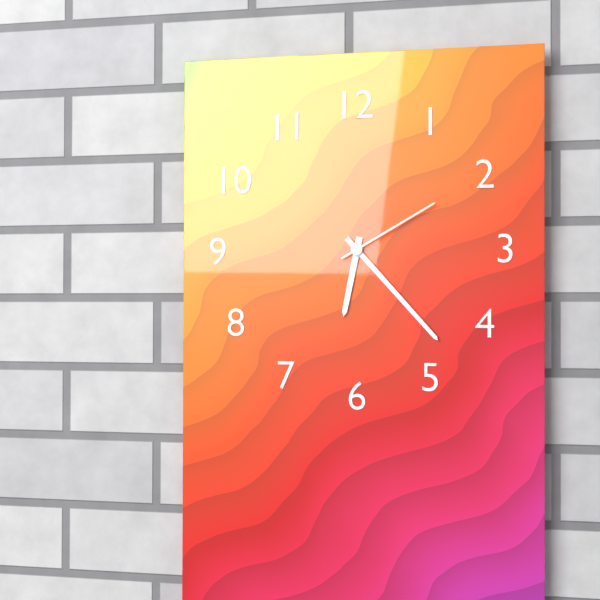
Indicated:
6 h 23 min 10 s
